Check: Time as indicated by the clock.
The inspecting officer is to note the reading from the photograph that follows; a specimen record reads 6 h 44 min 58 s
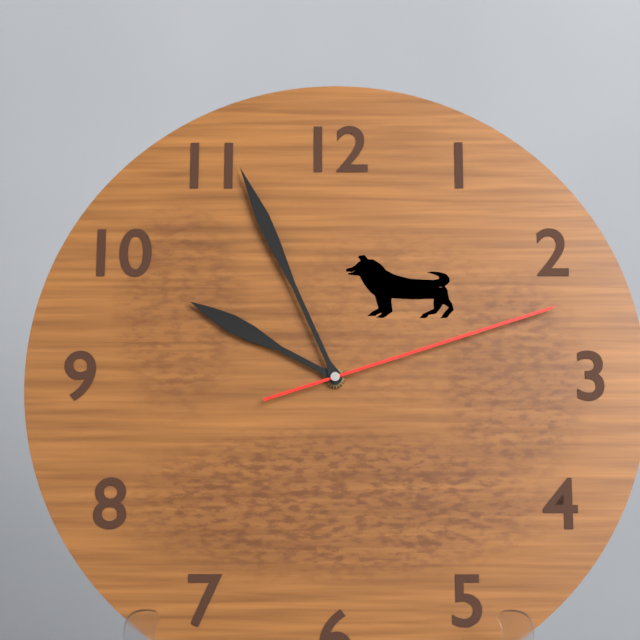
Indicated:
9 h 56 min 12 s
